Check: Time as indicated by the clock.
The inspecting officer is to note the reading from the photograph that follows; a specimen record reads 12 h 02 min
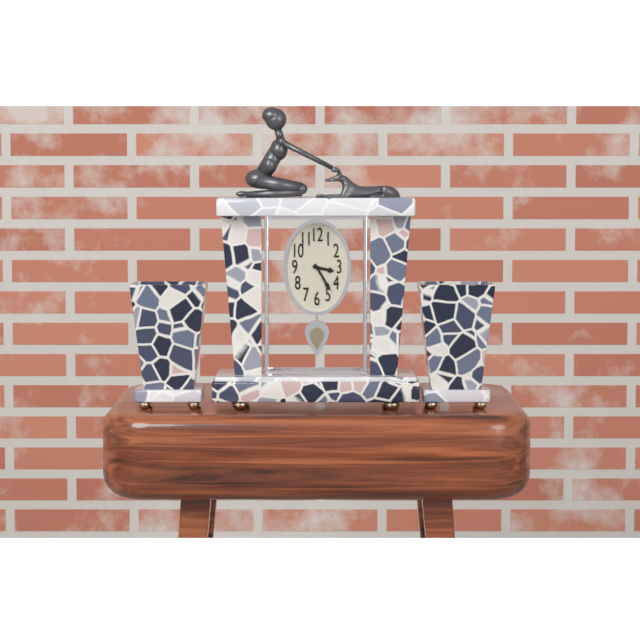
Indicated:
3 h 25 min
